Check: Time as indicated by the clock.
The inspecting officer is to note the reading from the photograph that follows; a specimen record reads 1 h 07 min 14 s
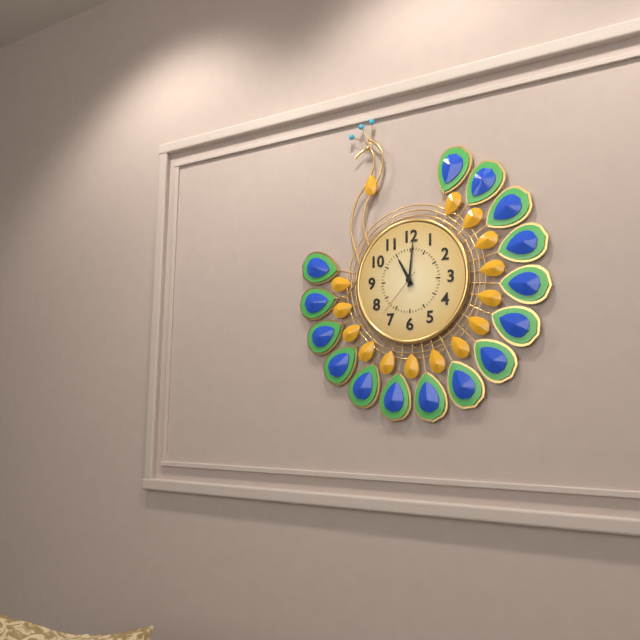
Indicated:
11 h 01 min 37 s
